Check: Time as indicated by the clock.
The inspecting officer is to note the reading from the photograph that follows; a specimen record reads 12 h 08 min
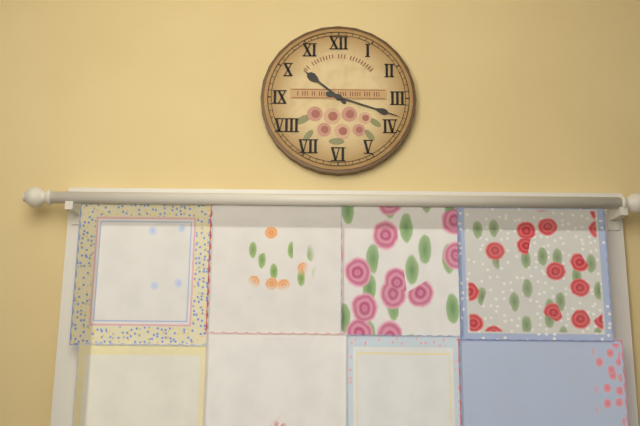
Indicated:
10 h 18 min
